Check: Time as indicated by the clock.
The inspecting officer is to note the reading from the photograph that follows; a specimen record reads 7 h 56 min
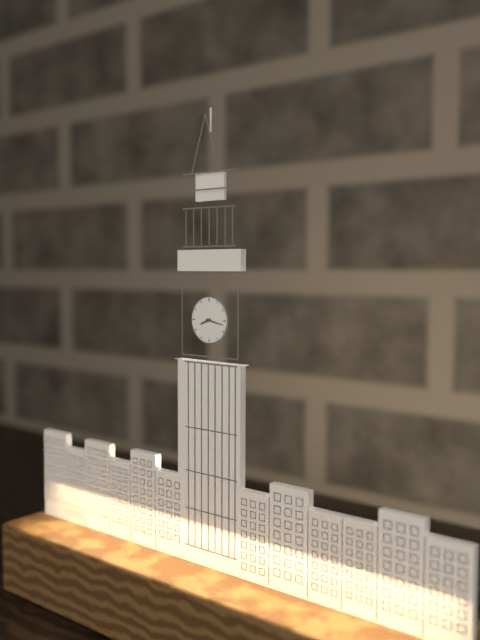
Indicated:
8 h 17 min
